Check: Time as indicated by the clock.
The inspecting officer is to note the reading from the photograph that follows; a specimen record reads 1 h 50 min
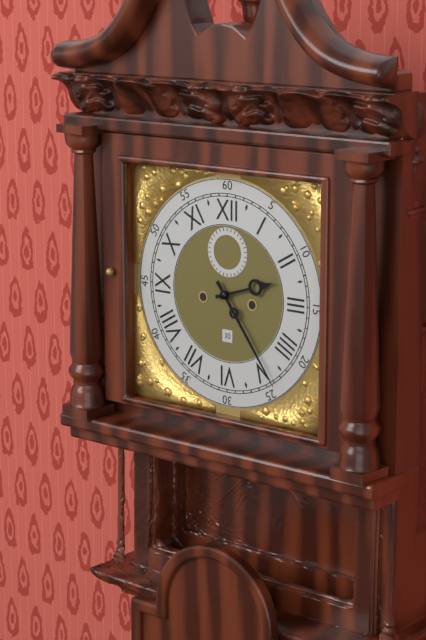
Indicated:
2 h 24 min
